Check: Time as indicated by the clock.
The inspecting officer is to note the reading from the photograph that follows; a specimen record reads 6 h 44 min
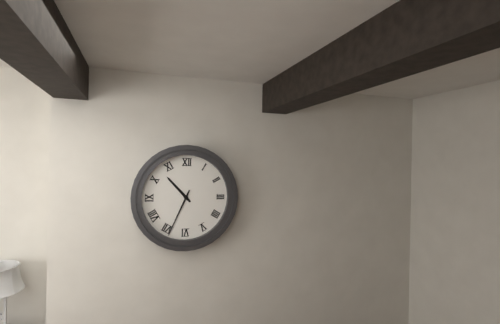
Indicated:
10 h 34 min
